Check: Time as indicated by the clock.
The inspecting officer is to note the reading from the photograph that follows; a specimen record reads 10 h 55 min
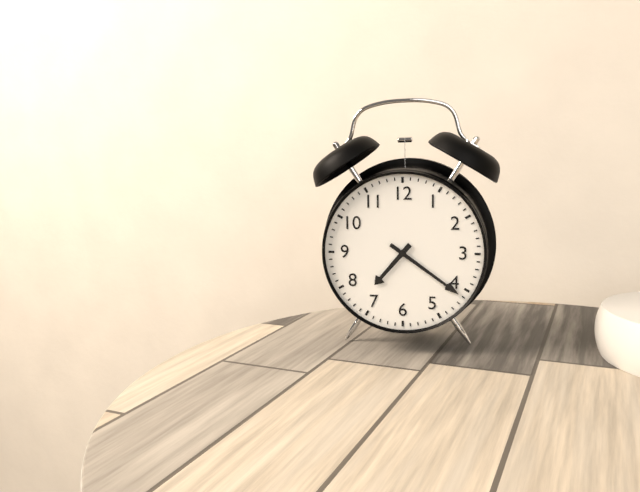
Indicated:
7 h 21 min
